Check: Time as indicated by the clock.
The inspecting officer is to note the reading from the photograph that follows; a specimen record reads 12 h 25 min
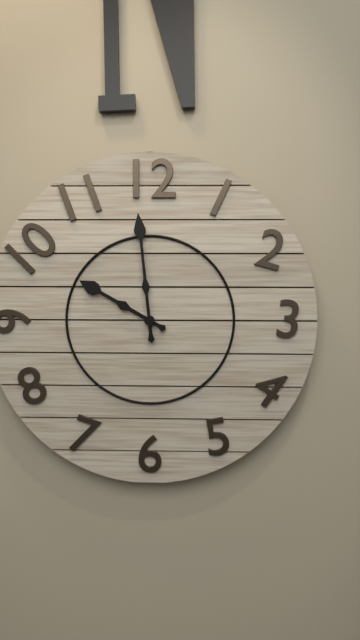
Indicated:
9 h 59 min
